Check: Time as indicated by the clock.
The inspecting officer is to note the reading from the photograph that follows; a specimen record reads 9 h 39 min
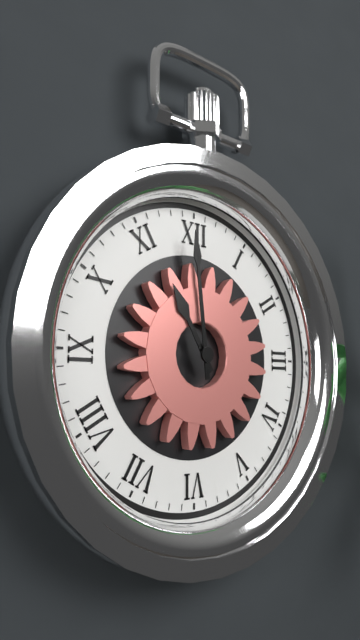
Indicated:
10 h 59 min
